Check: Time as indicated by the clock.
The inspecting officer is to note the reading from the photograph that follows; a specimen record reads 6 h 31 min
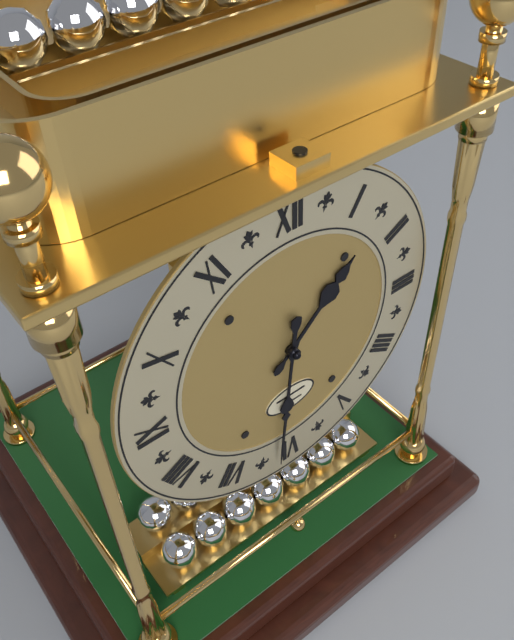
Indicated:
1 h 31 min
